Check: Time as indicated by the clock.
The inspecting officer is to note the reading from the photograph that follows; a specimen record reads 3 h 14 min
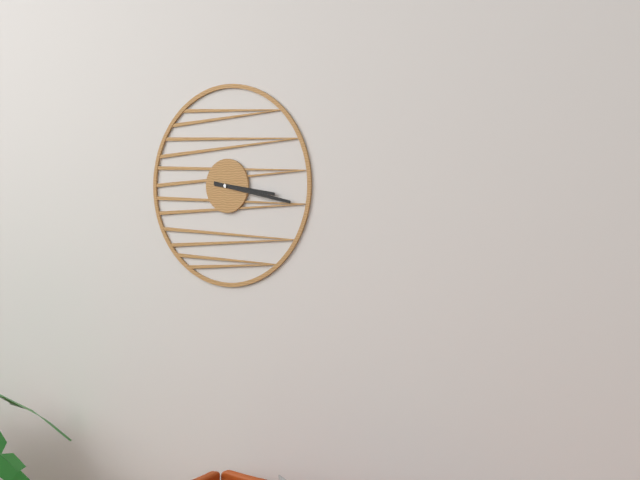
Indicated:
3 h 17 min
